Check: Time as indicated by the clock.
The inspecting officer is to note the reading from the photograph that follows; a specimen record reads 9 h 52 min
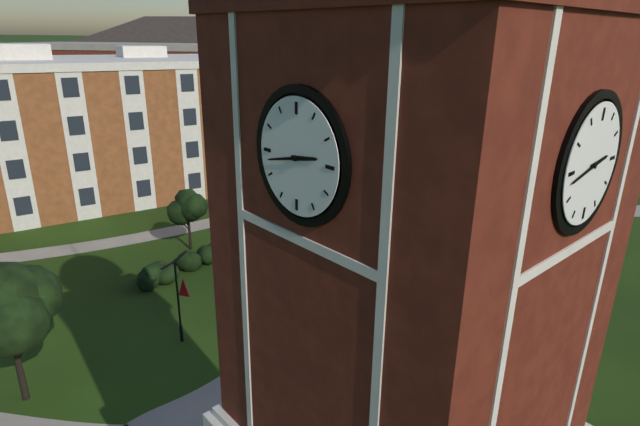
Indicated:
2 h 43 min
